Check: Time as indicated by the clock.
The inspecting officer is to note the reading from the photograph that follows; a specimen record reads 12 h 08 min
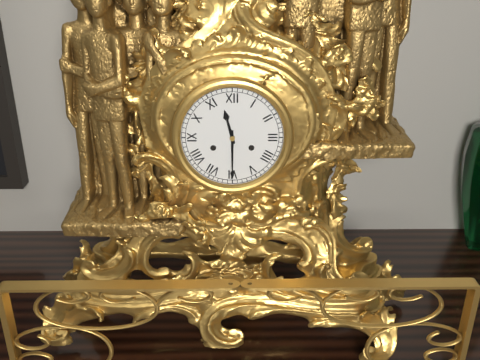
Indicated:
11 h 30 min
